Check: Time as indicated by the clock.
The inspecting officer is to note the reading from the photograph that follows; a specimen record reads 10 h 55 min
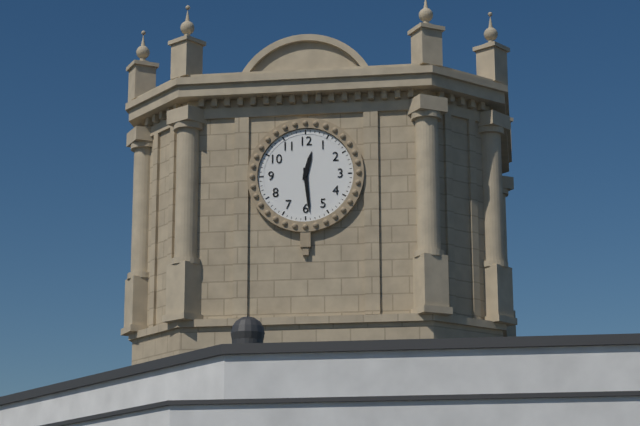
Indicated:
12 h 29 min
